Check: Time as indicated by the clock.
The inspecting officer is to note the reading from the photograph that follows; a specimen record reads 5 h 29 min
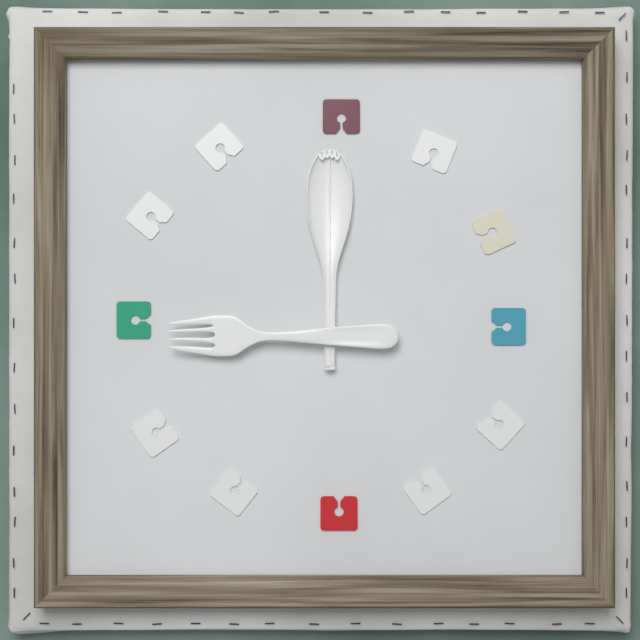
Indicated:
9 h 00 min
